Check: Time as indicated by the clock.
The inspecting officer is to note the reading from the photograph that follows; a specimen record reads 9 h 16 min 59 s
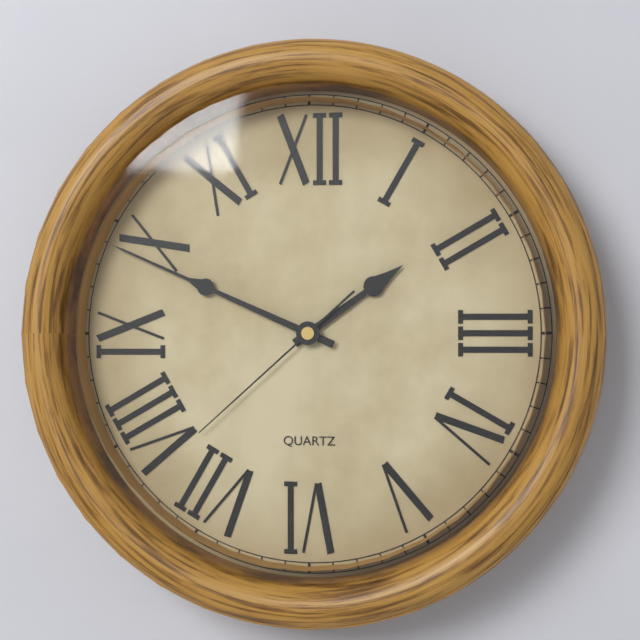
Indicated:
1 h 49 min 38 s
